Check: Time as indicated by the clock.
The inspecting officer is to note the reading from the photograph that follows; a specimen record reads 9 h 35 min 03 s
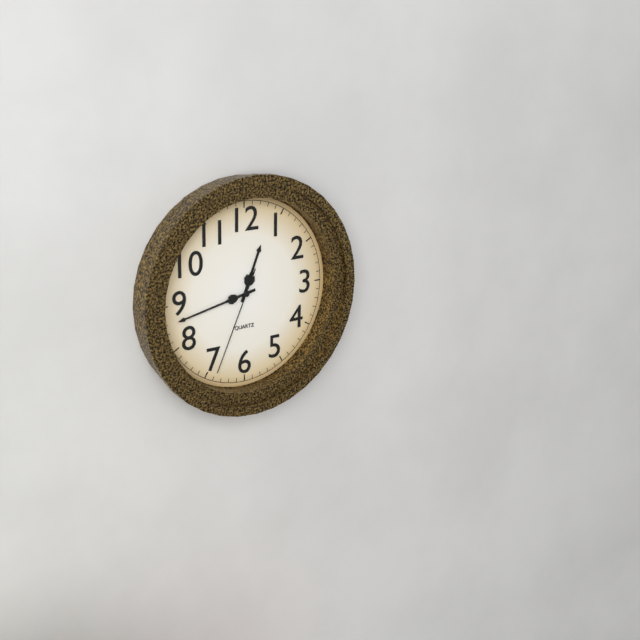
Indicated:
12 h 43 min 34 s
